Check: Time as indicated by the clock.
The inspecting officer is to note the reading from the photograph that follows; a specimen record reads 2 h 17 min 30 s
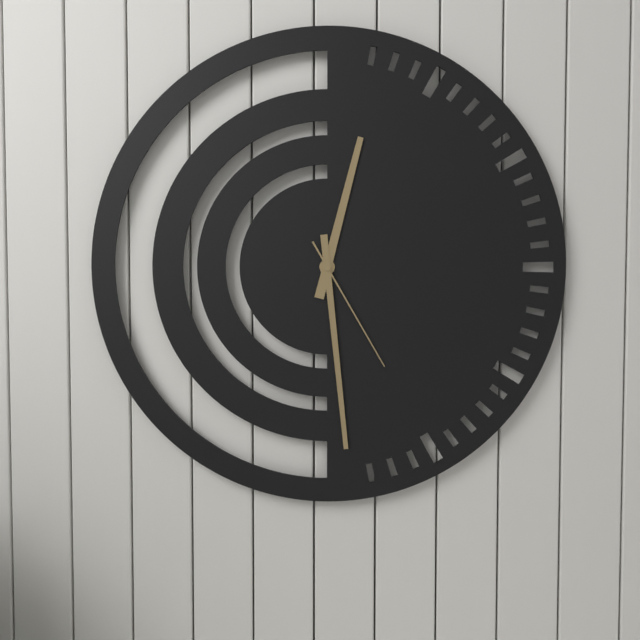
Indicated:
12 h 29 min 25 s
